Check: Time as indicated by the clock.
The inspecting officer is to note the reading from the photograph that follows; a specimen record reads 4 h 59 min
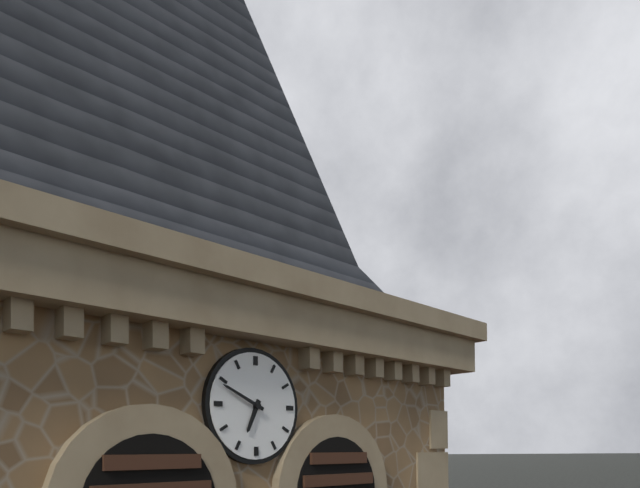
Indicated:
6 h 49 min
